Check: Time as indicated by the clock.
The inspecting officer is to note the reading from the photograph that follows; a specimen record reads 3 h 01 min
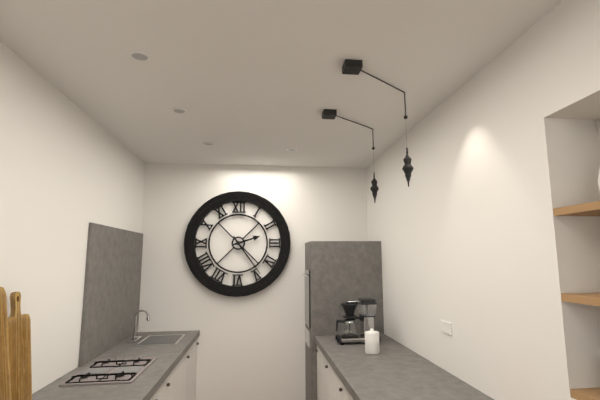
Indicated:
2 h 24 min
